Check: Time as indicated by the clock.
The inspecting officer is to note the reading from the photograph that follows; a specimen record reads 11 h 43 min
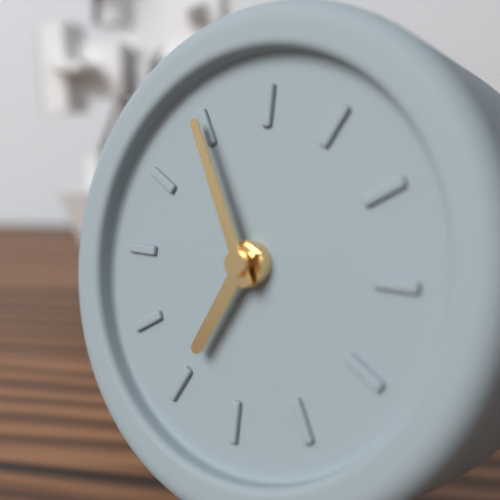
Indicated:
6 h 55 min
